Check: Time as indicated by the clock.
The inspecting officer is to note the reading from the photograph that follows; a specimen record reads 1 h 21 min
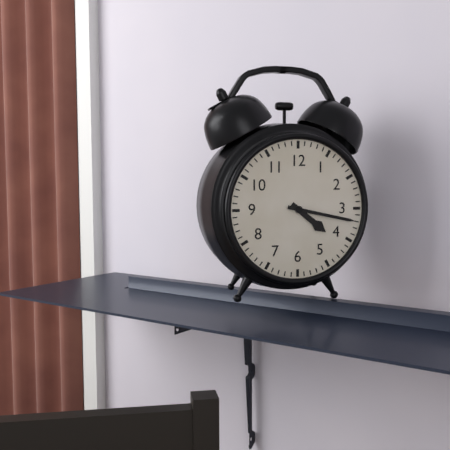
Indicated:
4 h 17 min
